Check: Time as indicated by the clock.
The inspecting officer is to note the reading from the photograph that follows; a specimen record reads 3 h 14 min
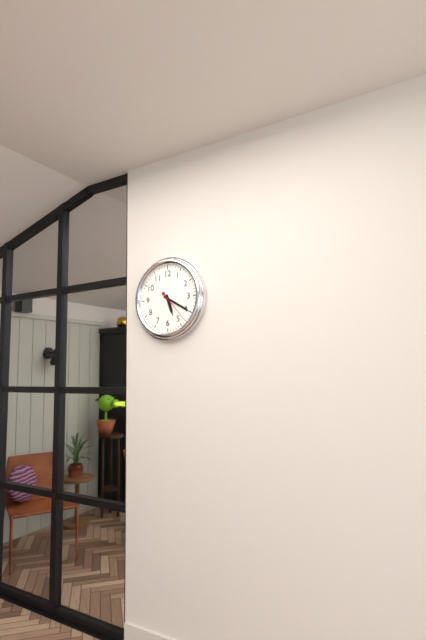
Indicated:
5 h 20 min
